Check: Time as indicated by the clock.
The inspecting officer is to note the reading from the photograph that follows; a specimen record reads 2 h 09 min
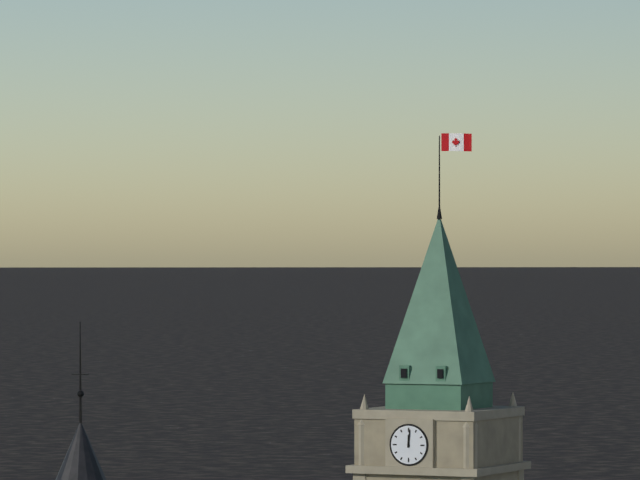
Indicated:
12 h 01 min
